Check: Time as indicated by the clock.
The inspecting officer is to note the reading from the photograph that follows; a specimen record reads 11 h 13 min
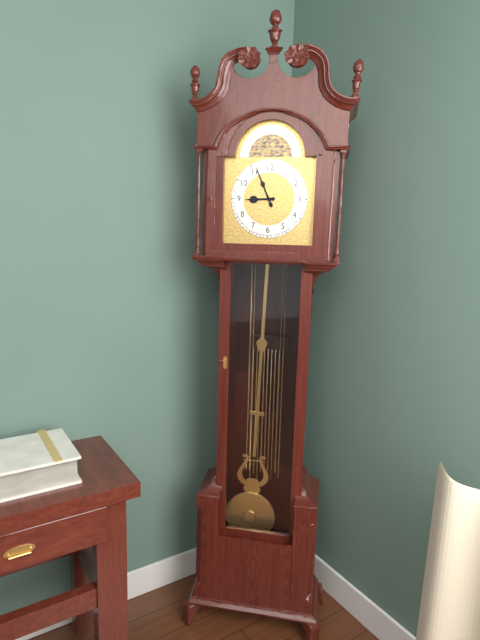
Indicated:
8 h 56 min
